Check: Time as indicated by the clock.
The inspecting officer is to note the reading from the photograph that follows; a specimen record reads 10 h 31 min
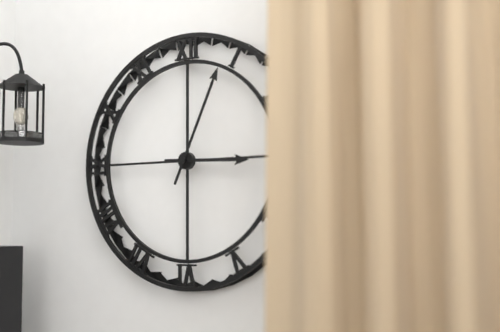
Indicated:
3 h 04 min
